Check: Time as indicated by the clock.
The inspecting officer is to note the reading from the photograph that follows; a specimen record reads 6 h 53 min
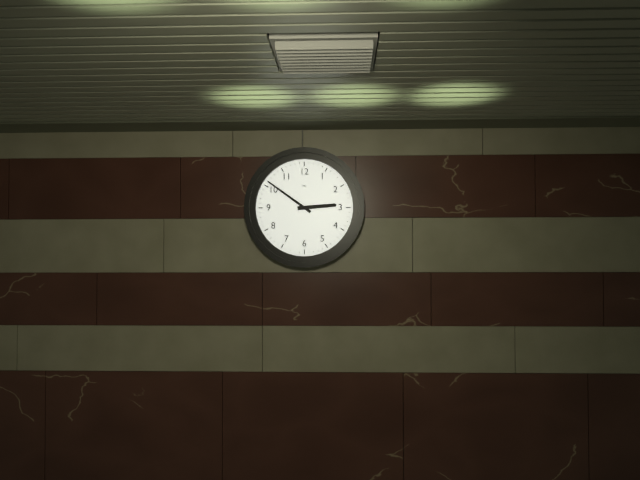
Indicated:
2 h 51 min
